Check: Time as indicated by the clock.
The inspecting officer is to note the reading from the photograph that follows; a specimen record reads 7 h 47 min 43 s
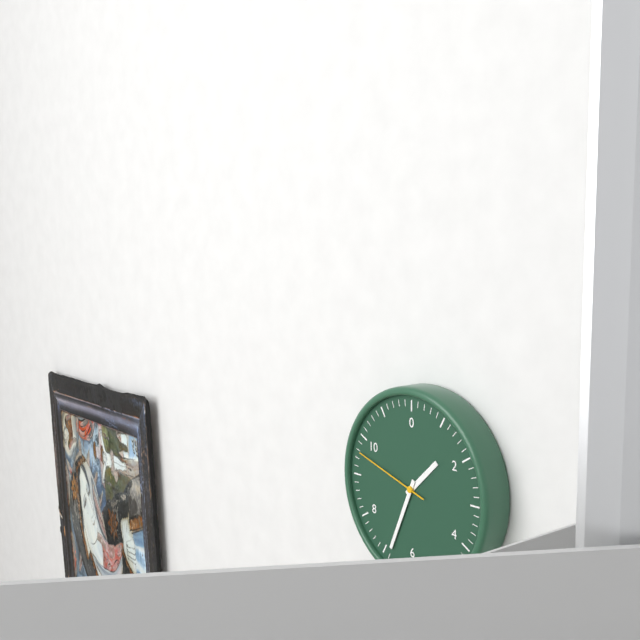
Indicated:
1 h 34 min 48 s
